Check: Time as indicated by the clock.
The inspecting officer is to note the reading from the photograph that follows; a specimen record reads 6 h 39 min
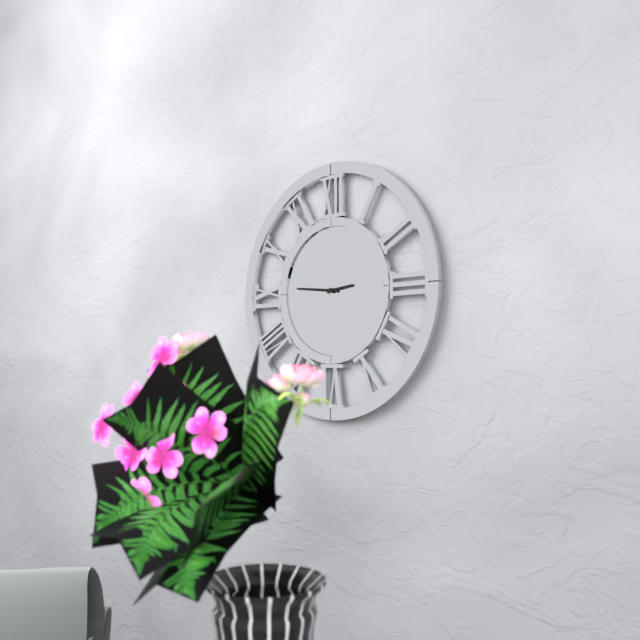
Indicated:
2 h 46 min
